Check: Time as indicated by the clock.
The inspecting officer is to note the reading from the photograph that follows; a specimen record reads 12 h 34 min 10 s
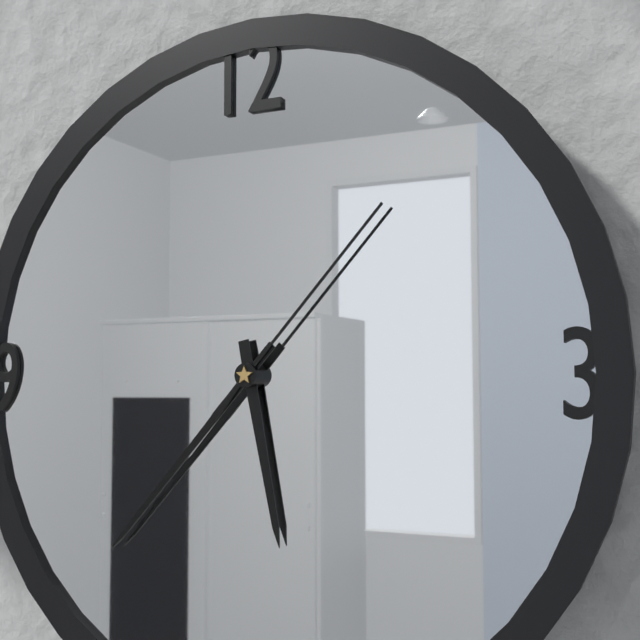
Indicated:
5 h 37 min 07 s
